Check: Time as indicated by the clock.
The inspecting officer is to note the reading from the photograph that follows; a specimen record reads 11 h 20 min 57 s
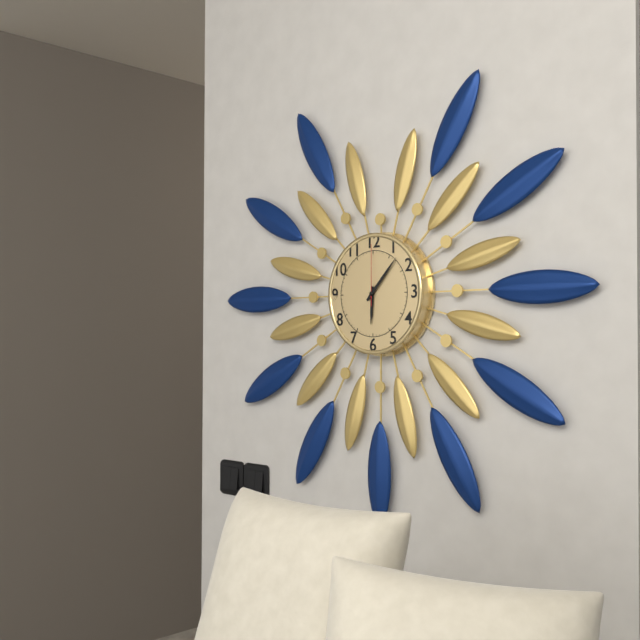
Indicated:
6 h 07 min 00 s
